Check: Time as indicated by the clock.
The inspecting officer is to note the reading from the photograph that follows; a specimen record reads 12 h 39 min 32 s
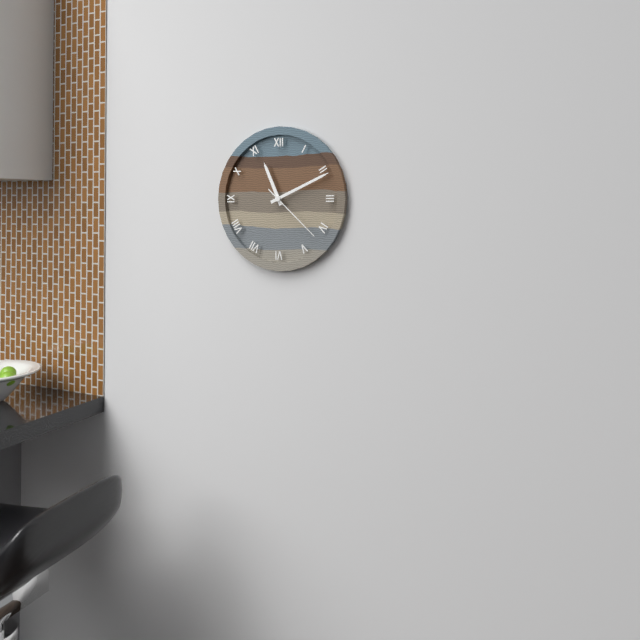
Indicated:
11 h 11 min 22 s
